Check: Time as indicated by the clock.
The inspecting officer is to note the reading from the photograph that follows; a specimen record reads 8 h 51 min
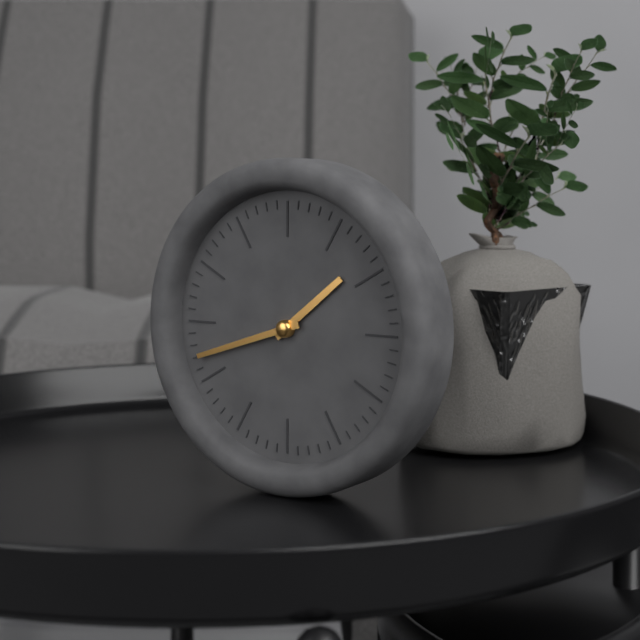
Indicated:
1 h 42 min
